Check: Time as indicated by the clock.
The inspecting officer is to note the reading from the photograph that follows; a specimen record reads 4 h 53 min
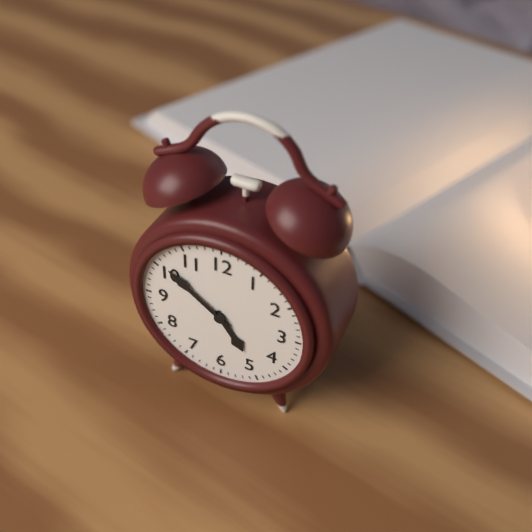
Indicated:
4 h 51 min
